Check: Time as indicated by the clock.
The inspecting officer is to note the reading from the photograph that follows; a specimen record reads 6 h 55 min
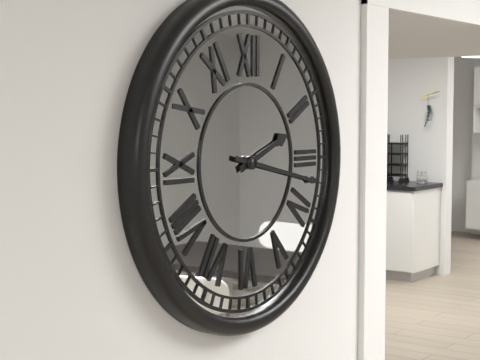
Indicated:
2 h 17 min
